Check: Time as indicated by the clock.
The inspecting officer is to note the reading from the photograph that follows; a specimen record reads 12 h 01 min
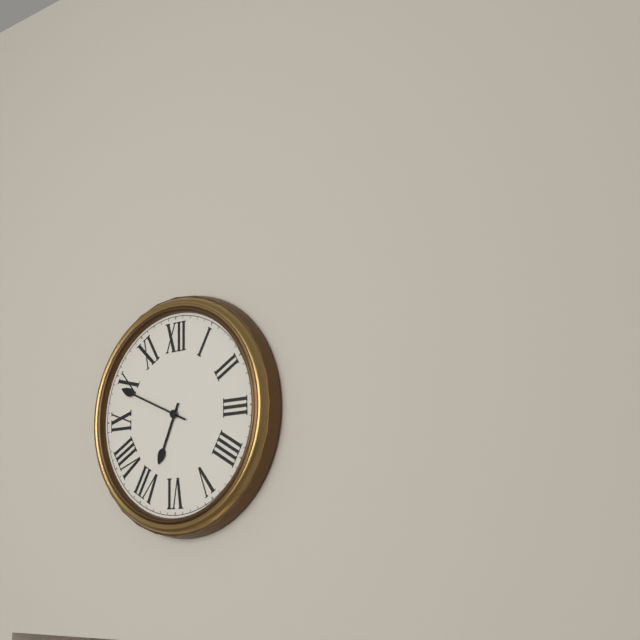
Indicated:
6 h 49 min
